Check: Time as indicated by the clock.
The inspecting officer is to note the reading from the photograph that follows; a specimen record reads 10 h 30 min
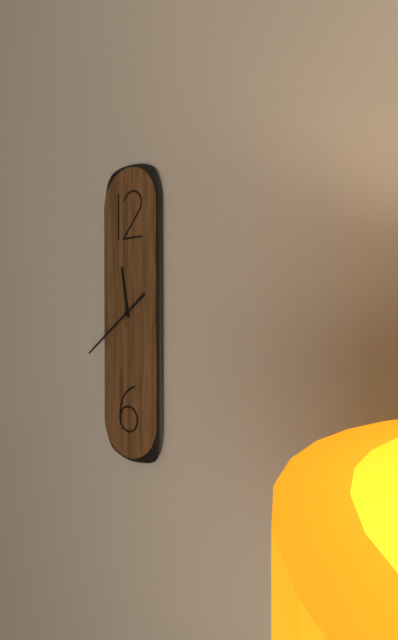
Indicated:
11 h 39 min
